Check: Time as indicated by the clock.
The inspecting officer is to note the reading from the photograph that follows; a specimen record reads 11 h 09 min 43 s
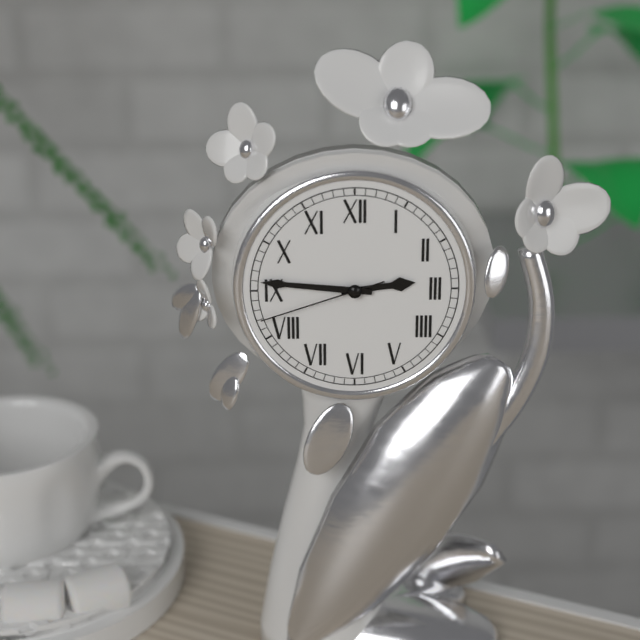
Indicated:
2 h 46 min 42 s
